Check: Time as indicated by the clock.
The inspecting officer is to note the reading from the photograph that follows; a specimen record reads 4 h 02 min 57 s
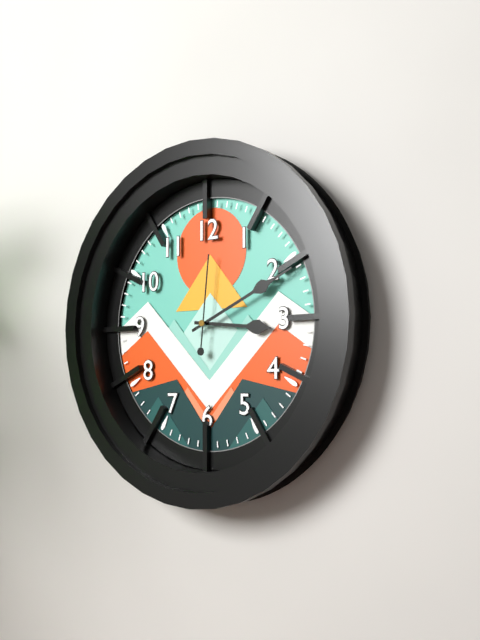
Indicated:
3 h 11 min 01 s
